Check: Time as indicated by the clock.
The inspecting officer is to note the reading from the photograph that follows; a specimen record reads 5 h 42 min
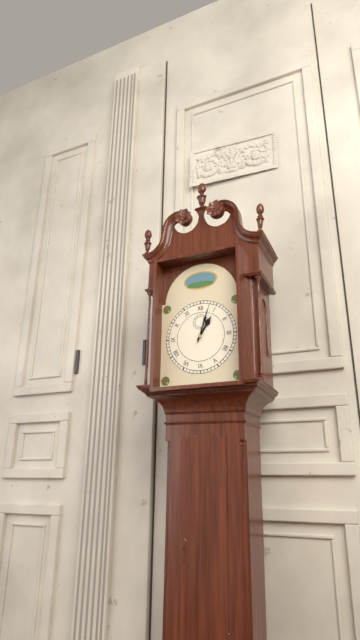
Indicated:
1 h 03 min
